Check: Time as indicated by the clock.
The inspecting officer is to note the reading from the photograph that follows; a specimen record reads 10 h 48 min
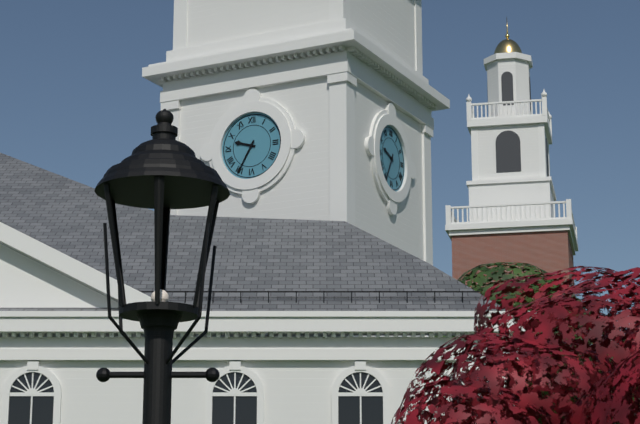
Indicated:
9 h 35 min
